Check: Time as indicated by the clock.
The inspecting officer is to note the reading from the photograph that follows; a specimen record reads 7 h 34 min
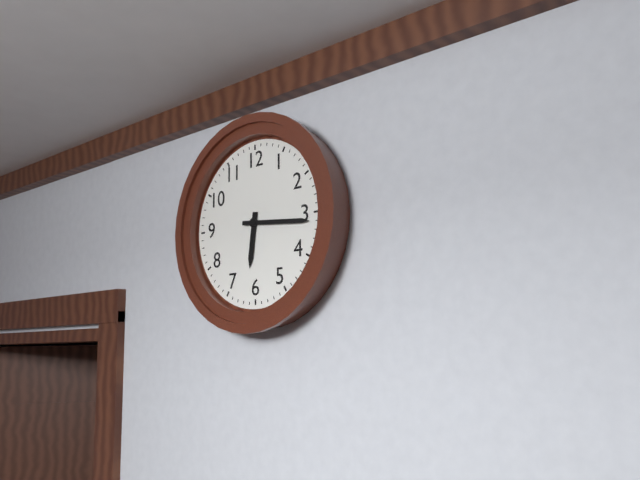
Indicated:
6 h 16 min
